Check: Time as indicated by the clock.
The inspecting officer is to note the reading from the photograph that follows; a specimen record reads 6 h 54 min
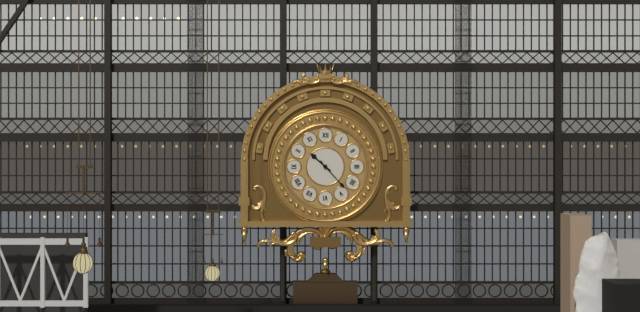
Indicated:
10 h 23 min
